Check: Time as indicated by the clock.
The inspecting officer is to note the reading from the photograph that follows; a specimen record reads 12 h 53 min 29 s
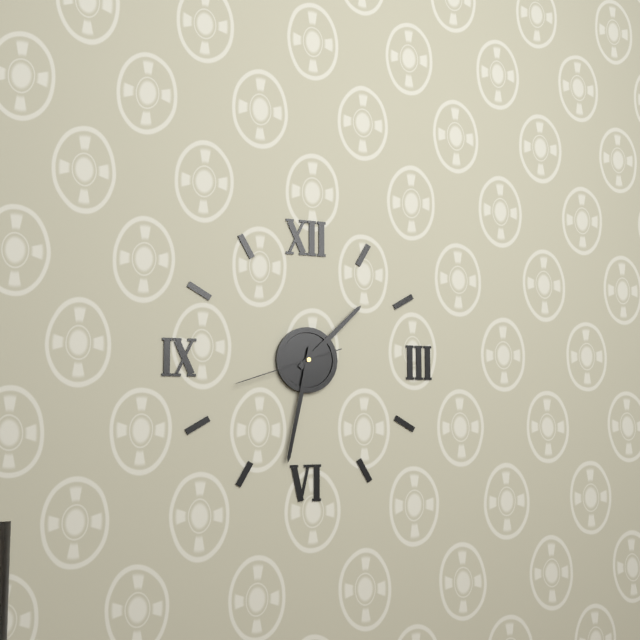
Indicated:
1 h 32 min 42 s
